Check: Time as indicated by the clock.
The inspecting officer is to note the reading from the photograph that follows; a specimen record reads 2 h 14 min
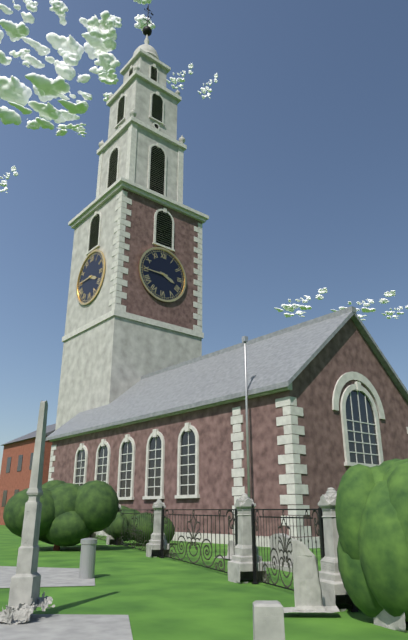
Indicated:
3 h 45 min
